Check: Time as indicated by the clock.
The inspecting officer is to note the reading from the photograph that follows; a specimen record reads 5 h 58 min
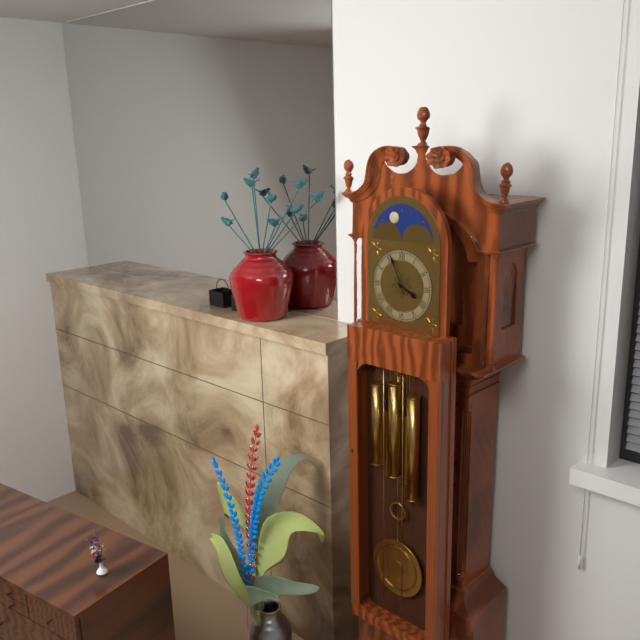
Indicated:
3 h 56 min
